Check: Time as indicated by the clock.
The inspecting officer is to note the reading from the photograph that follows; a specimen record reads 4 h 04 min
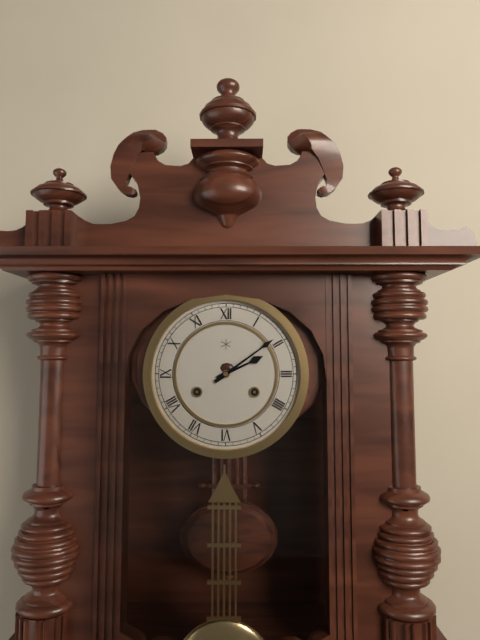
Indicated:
2 h 09 min
